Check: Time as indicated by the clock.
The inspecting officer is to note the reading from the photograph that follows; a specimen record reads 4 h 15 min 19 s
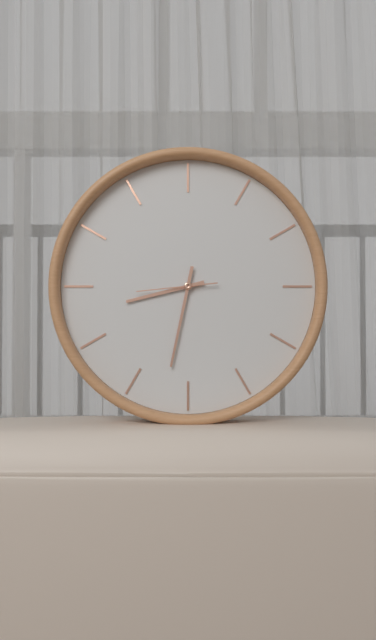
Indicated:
8 h 32 min 44 s
